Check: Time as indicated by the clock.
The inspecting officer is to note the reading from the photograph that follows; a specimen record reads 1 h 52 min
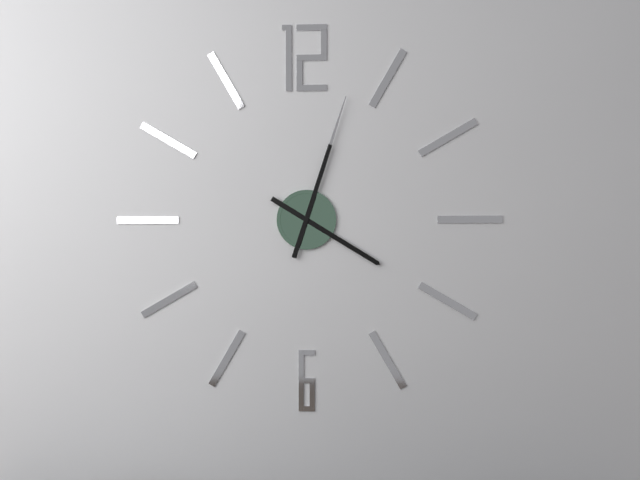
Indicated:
4 h 03 min
